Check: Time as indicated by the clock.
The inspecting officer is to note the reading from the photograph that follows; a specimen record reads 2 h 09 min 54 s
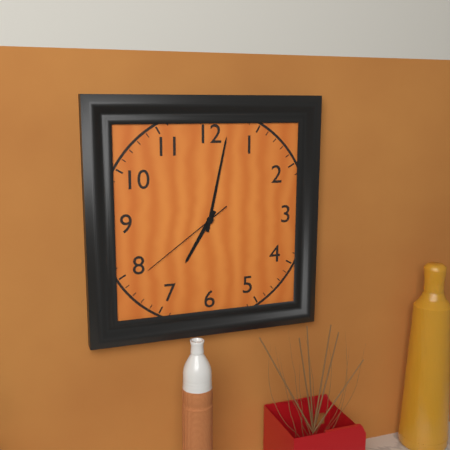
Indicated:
7 h 02 min 39 s
